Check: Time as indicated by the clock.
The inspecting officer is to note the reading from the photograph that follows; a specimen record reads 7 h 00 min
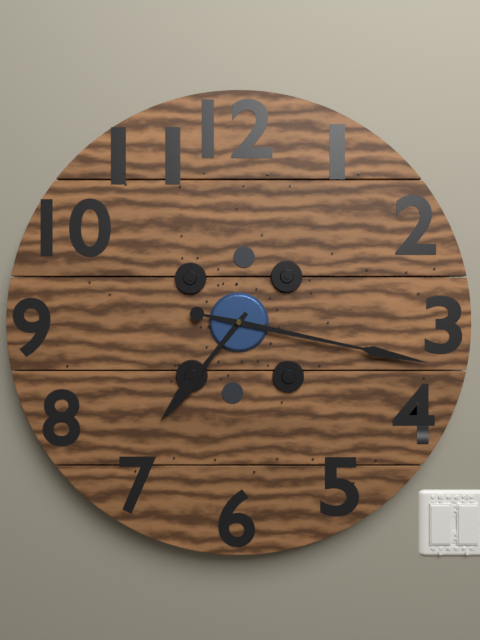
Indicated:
7 h 17 min
